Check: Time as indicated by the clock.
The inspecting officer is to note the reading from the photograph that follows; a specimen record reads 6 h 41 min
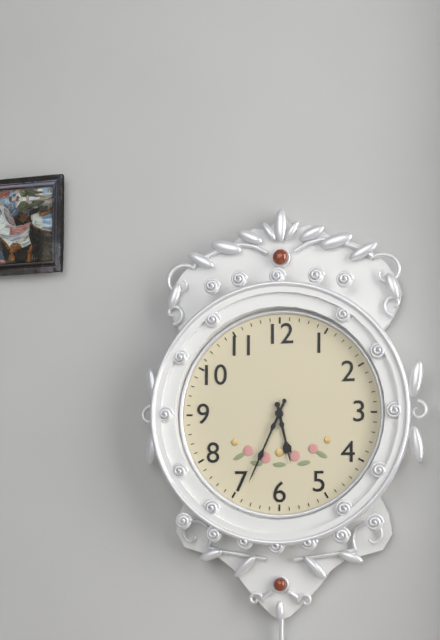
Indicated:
5 h 34 min
